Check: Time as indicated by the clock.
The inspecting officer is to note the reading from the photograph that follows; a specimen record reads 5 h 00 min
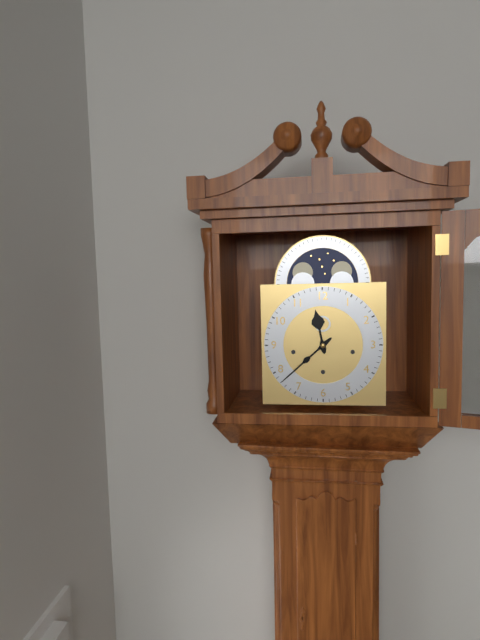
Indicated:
11 h 38 min
